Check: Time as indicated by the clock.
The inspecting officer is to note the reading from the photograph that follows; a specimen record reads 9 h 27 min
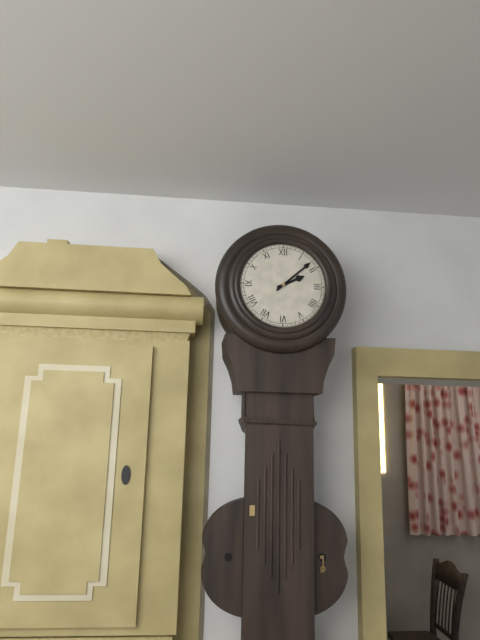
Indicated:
2 h 08 min
